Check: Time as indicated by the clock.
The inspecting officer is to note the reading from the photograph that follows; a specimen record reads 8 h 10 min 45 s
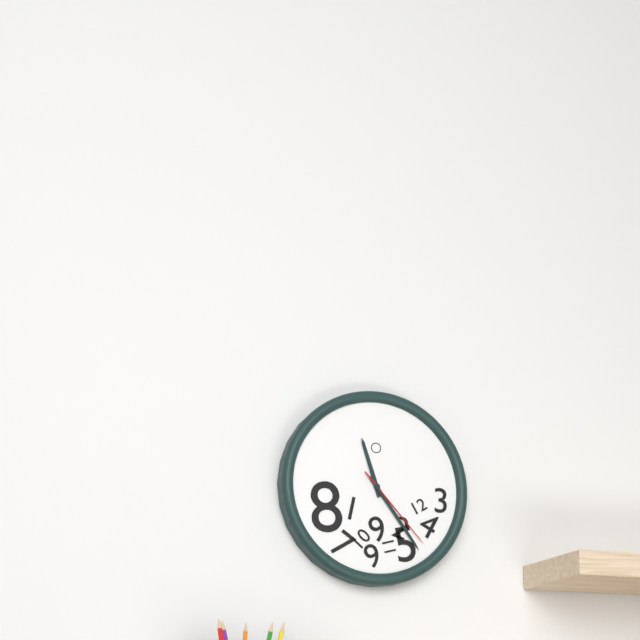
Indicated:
11 h 24 min 23 s
